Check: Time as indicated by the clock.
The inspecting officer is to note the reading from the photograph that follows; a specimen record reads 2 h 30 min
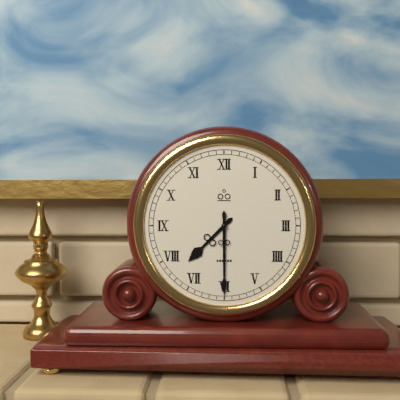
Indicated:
7 h 30 min
